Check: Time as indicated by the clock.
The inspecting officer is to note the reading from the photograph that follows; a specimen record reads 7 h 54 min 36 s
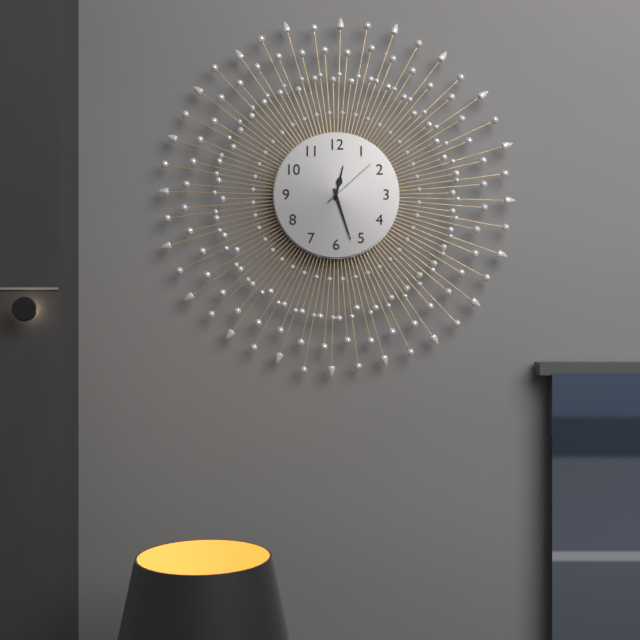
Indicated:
12 h 27 min 08 s
